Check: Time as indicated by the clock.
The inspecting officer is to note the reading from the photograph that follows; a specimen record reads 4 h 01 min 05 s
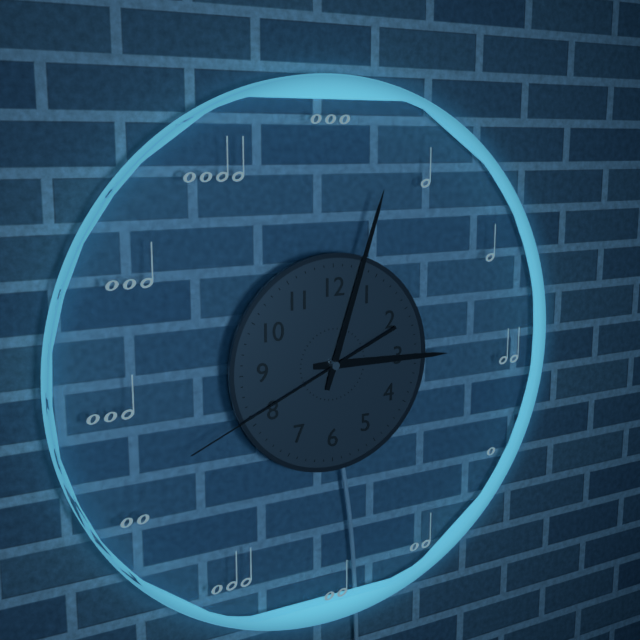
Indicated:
3 h 03 min 41 s
